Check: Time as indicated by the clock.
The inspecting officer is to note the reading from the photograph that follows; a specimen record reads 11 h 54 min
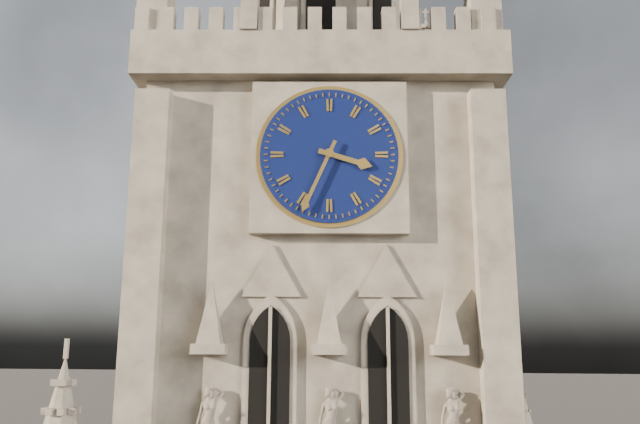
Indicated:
3 h 34 min
